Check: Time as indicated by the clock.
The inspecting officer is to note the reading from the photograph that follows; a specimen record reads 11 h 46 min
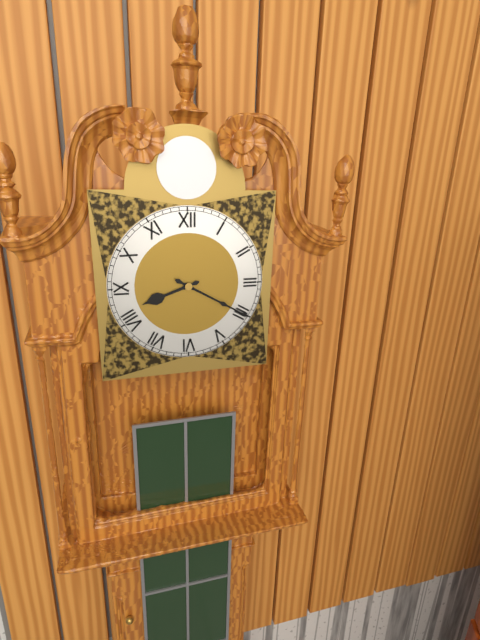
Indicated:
8 h 20 min
